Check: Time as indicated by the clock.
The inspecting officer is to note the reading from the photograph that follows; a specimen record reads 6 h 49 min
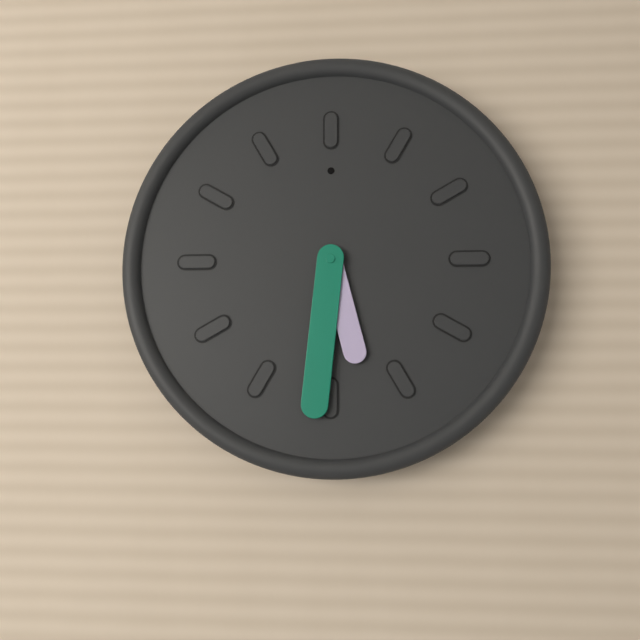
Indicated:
5 h 31 min
